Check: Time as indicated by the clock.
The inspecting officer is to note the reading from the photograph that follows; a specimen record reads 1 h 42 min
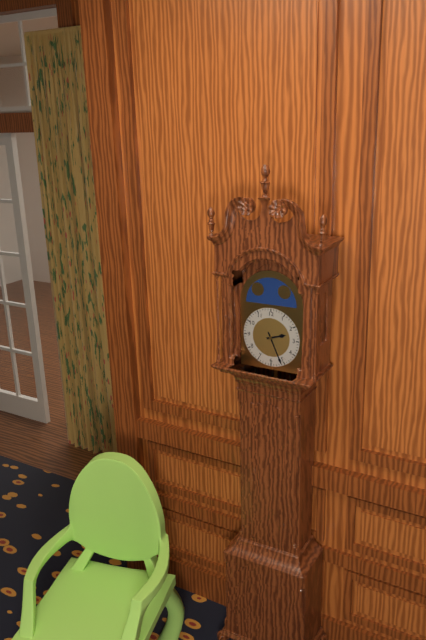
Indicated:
2 h 26 min
